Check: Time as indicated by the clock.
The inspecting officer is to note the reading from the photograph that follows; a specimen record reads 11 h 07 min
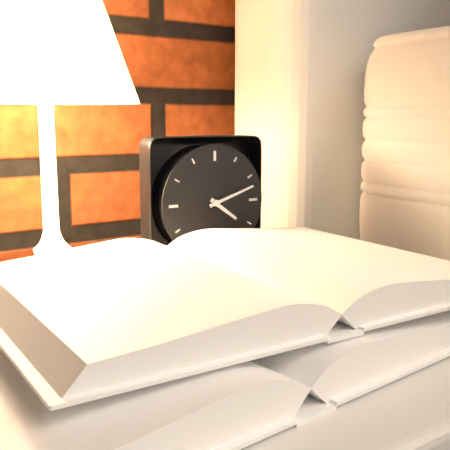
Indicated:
4 h 12 min
